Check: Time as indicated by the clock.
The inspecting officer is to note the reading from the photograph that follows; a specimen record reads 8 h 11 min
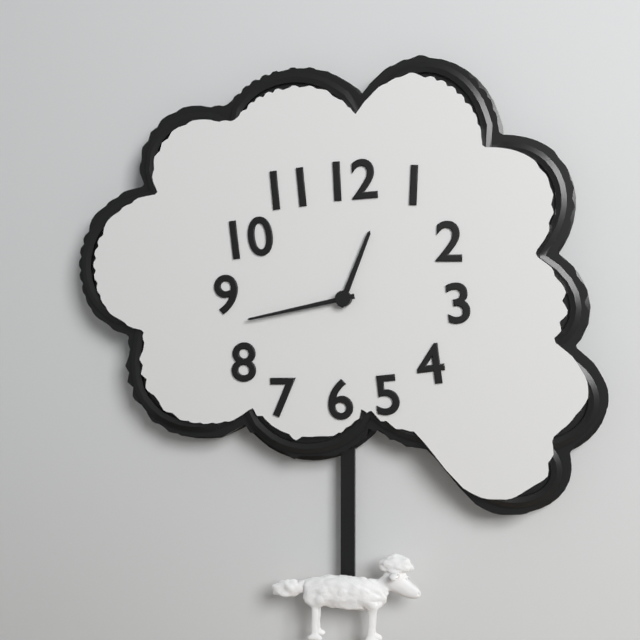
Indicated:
12 h 43 min
